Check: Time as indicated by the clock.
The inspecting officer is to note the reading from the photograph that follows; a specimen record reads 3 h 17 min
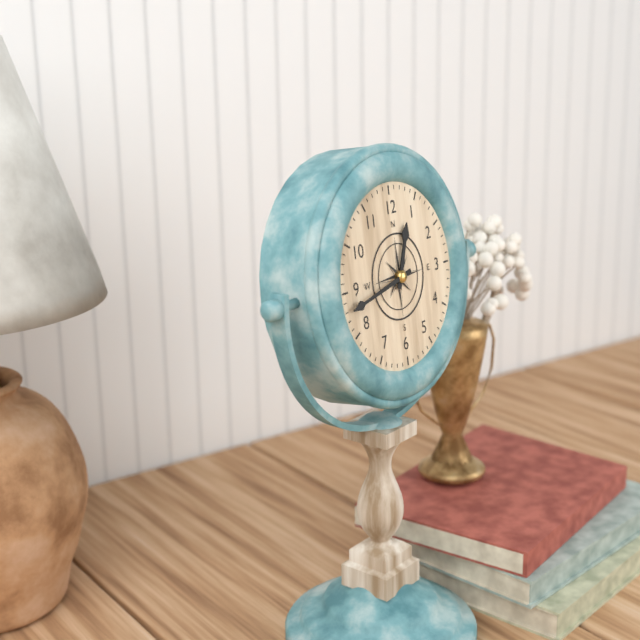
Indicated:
12 h 43 min
